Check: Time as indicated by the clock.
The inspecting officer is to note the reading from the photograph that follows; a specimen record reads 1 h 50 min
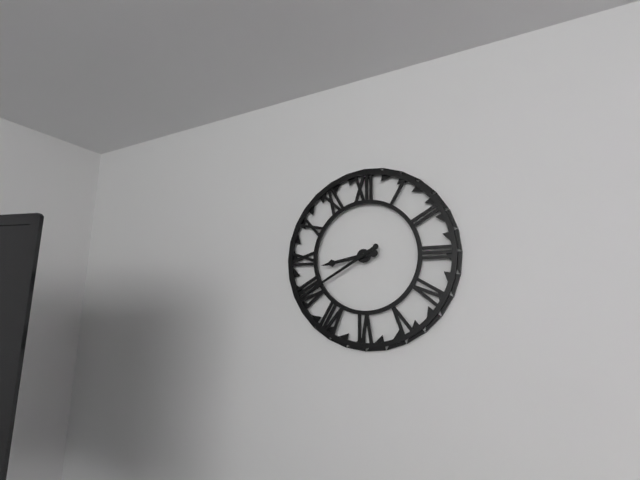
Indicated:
8 h 40 min
